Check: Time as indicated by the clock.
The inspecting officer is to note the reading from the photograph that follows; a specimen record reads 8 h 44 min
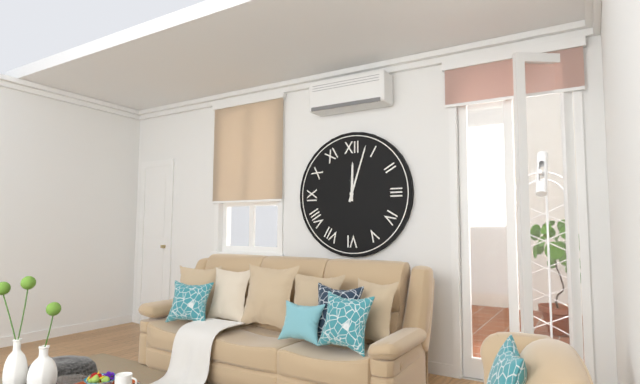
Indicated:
12 h 03 min
